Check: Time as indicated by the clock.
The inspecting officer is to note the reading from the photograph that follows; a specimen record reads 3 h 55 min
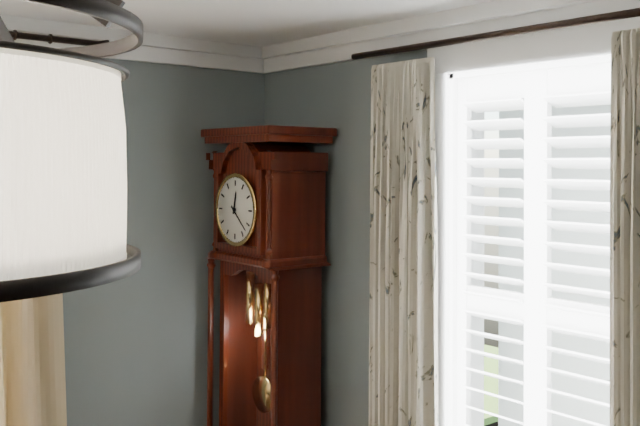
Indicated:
12 h 22 min
